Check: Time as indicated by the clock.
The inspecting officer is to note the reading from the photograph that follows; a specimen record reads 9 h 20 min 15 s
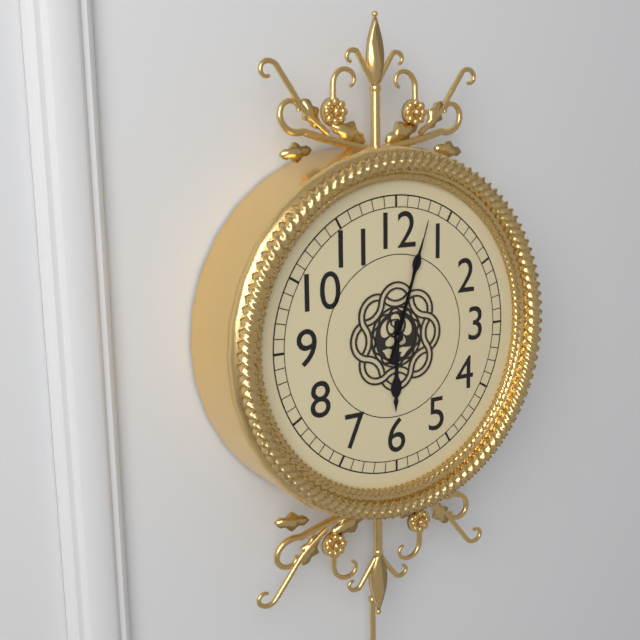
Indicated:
6 h 03 min 03 s
